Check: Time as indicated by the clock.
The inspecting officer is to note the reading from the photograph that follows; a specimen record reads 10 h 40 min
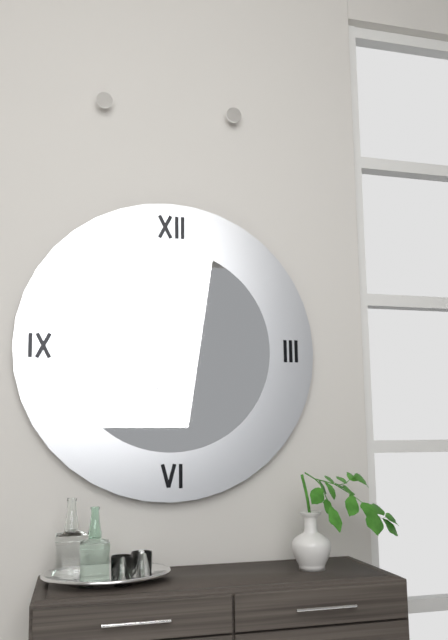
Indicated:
6 h 34 min
